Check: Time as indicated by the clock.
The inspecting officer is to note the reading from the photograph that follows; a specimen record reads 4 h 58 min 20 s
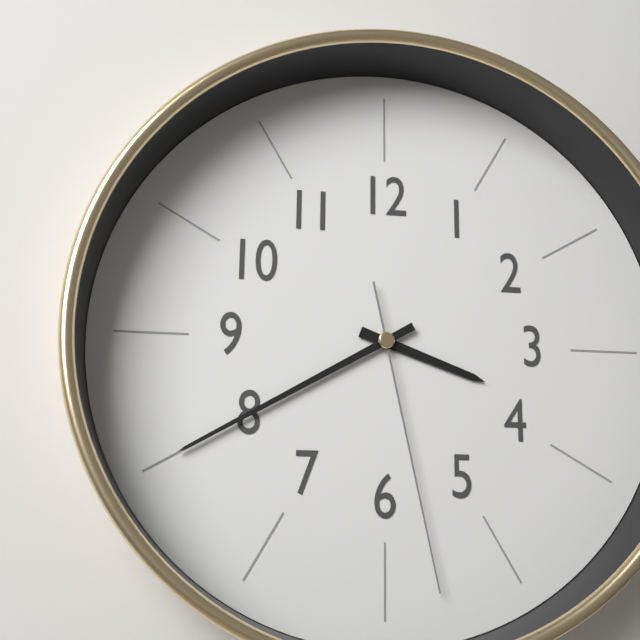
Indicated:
3 h 40 min 28 s
